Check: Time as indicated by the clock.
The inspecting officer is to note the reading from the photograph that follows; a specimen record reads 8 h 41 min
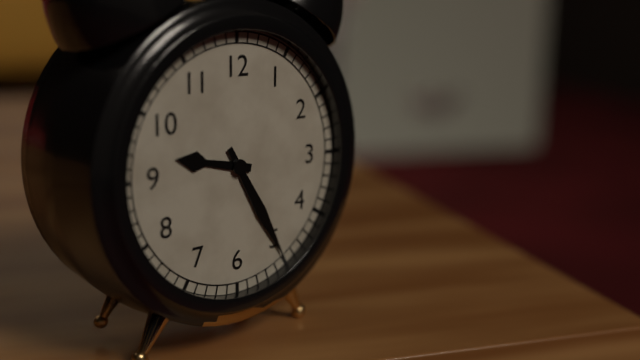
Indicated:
9 h 25 min
